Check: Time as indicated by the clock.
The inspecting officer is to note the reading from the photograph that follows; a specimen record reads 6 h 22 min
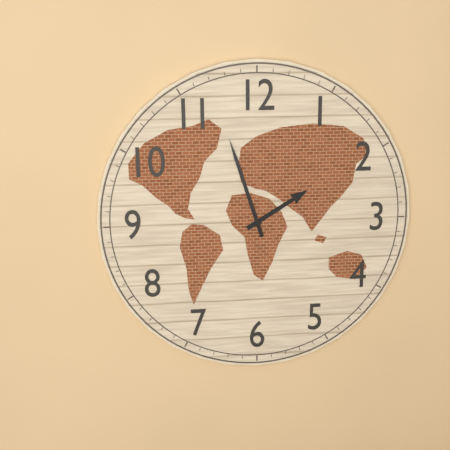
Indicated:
1 h 57 min
